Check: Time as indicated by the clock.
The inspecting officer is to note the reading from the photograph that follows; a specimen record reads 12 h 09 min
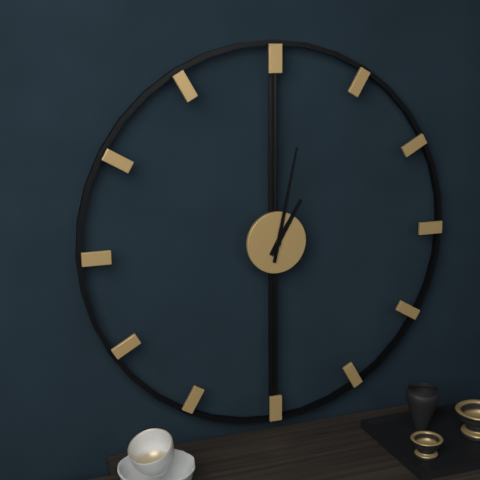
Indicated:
1 h 02 min
